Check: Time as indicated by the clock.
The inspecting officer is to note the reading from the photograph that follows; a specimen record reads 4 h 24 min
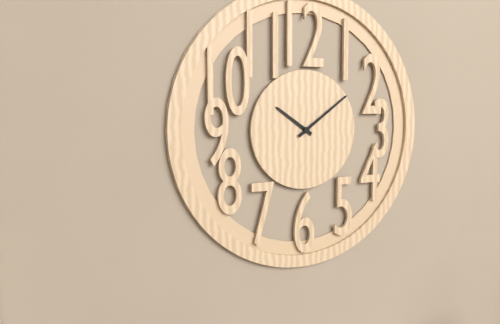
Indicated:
10 h 09 min
